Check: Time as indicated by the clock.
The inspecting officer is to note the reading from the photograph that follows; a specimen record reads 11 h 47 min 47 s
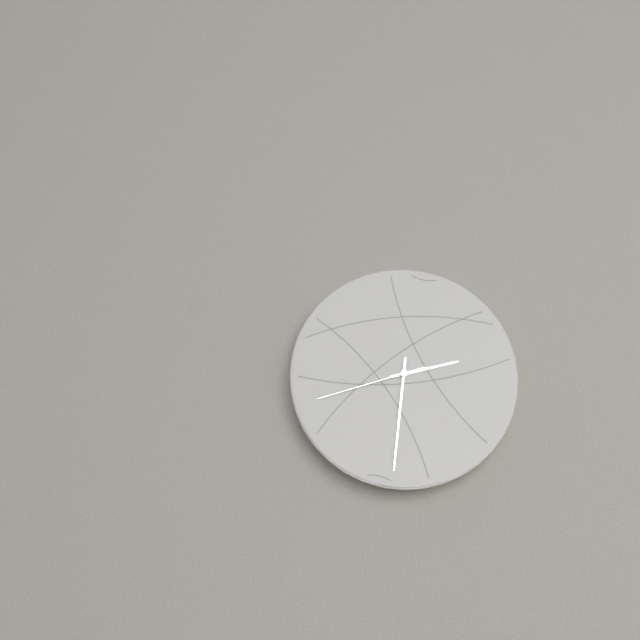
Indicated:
2 h 31 min 42 s
